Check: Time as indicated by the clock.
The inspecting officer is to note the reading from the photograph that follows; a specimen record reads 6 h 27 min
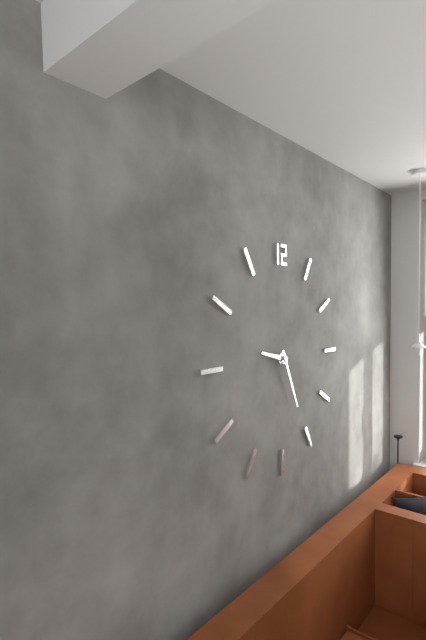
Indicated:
9 h 26 min
